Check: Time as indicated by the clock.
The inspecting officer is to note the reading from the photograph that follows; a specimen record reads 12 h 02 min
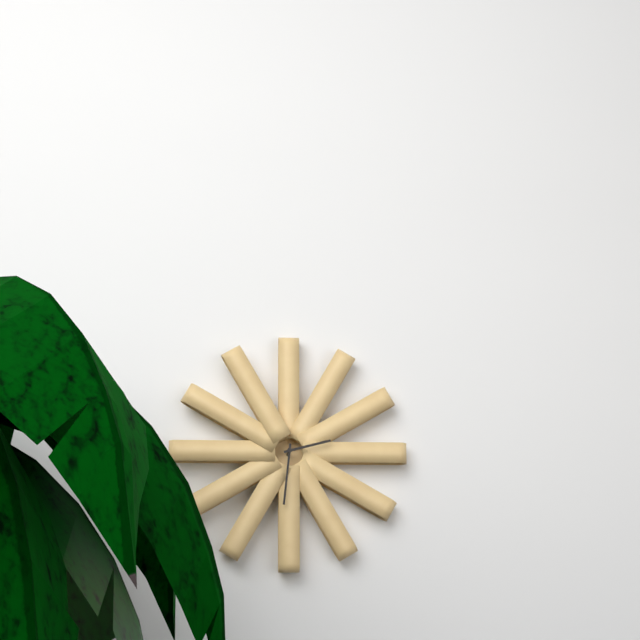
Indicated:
2 h 31 min
